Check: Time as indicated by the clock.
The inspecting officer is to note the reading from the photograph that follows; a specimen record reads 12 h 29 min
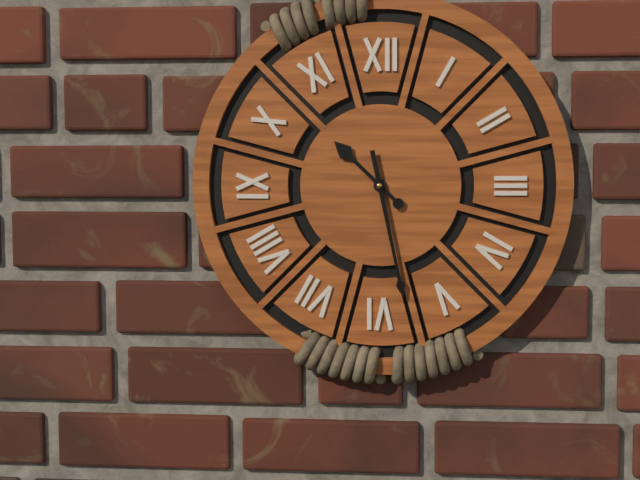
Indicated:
10 h 28 min
